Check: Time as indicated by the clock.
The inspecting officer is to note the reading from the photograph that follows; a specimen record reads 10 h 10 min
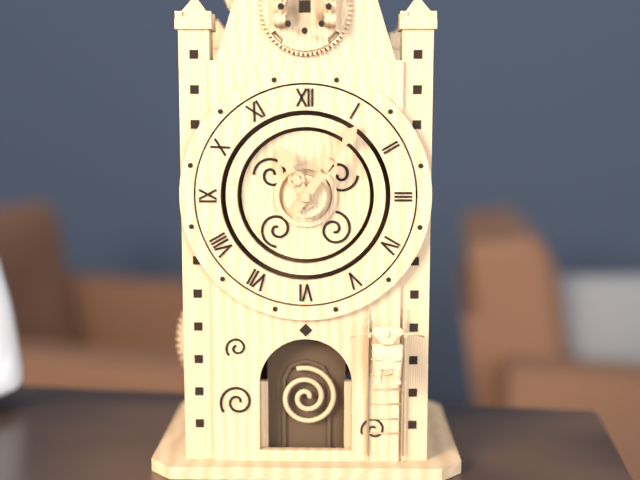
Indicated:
11 h 06 min
